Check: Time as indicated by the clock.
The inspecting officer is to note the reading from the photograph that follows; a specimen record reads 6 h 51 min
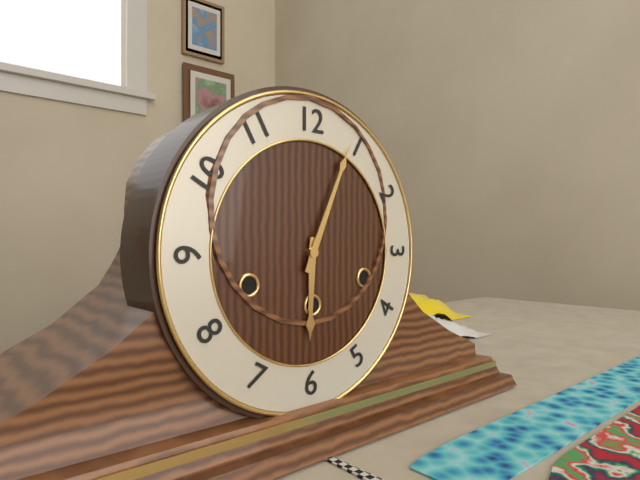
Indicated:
6 h 04 min
